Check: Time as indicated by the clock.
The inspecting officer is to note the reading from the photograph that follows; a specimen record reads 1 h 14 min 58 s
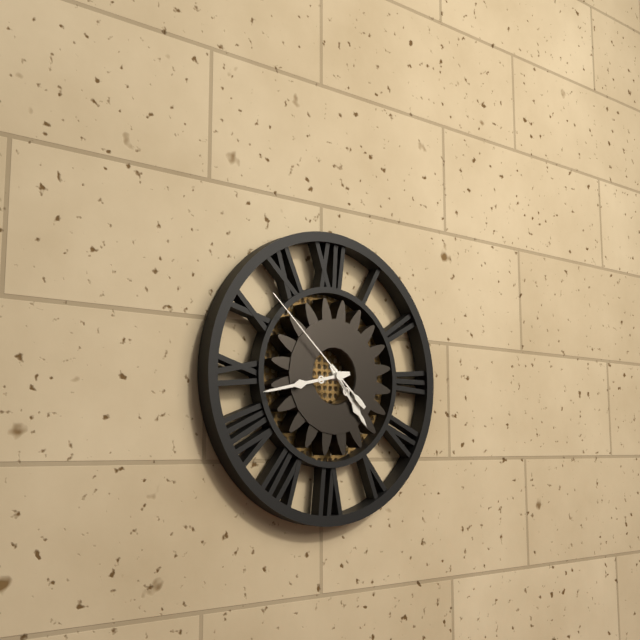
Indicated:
4 h 43 min 52 s
